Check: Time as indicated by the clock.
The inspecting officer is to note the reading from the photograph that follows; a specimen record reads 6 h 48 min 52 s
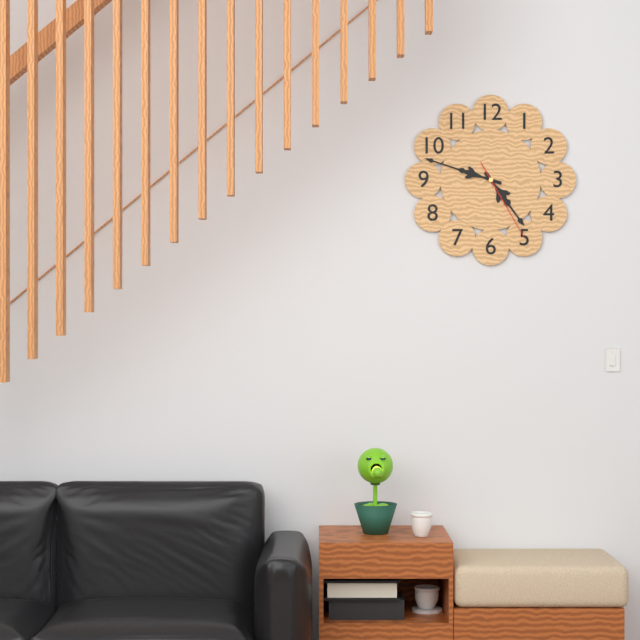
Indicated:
4 h 48 min 25 s
